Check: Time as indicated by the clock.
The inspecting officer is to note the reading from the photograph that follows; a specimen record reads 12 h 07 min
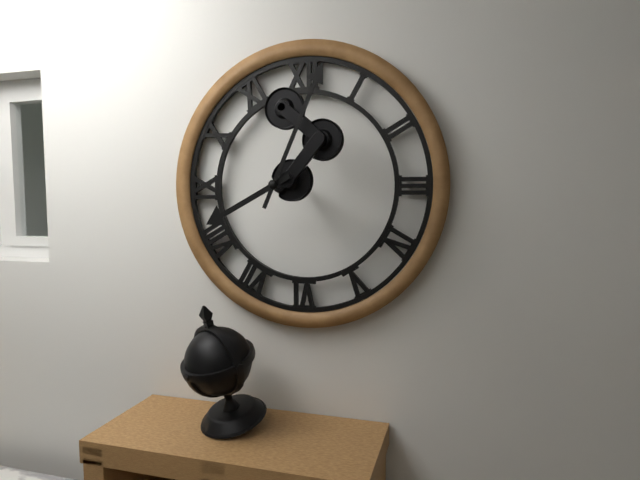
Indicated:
8 h 04 min
